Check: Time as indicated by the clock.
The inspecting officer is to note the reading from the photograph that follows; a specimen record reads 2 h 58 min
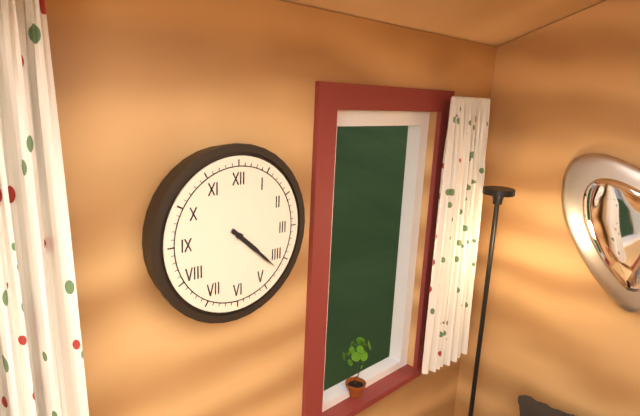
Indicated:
4 h 22 min
